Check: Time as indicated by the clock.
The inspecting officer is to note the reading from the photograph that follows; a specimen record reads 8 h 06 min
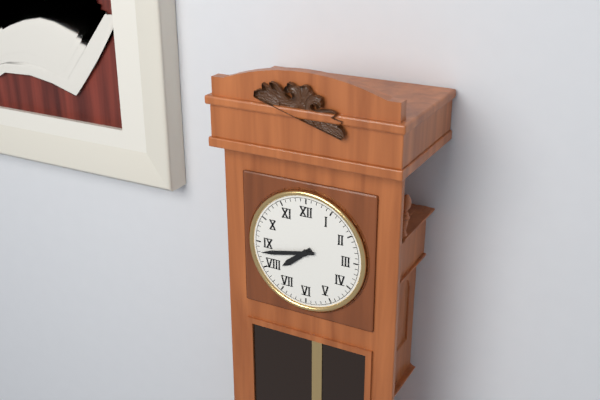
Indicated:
7 h 43 min
